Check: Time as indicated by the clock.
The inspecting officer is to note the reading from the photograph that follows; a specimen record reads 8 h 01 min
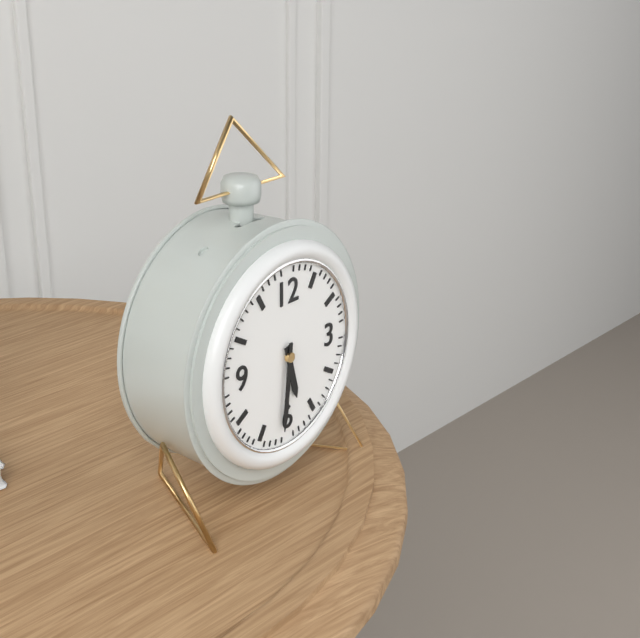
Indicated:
5 h 31 min
